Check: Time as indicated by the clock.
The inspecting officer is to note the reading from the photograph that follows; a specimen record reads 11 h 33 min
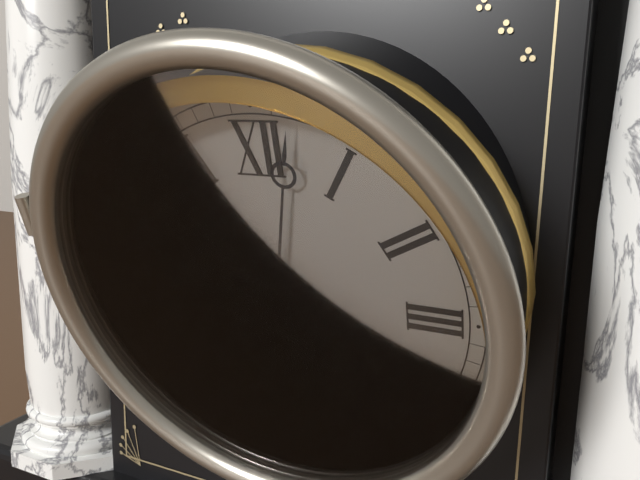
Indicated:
6 h 02 min
